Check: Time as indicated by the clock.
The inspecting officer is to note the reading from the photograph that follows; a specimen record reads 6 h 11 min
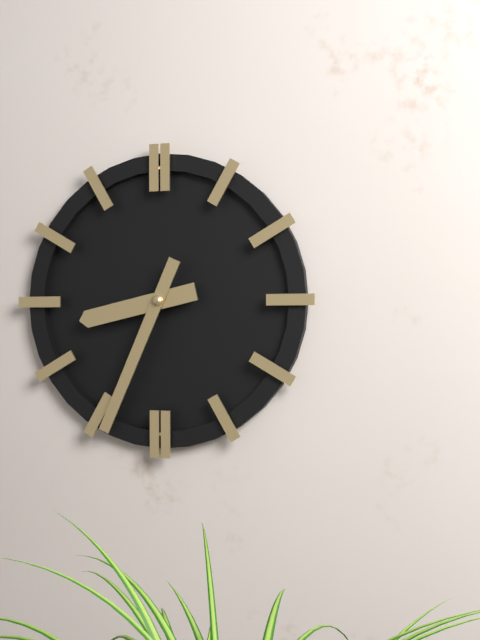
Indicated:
8 h 34 min
